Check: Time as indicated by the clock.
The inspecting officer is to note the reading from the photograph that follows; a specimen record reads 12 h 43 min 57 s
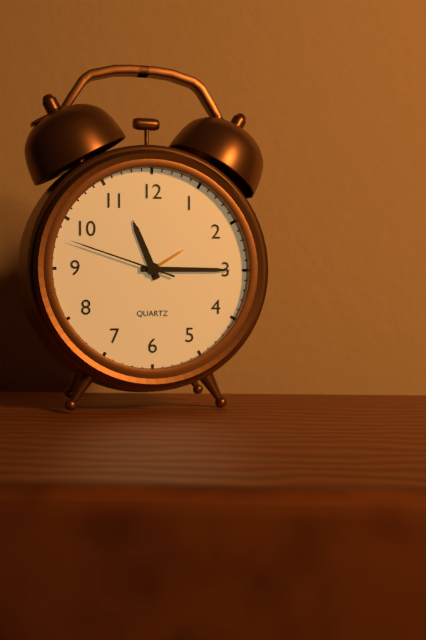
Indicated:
11 h 15 min 48 s
